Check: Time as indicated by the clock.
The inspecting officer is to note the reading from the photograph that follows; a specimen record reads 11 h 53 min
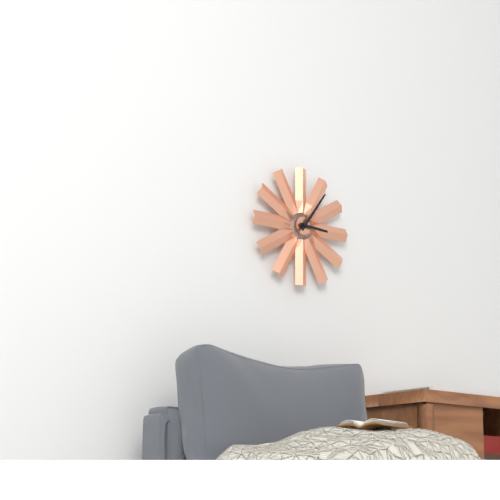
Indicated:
3 h 06 min
